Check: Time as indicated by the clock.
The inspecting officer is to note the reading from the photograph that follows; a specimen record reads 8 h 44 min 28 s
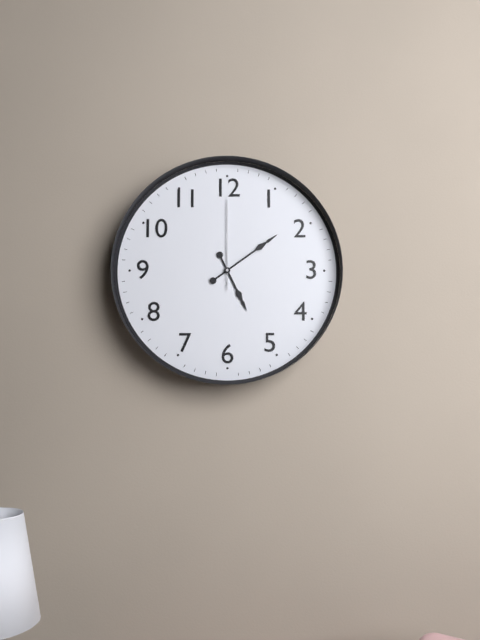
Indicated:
5 h 09 min 00 s
